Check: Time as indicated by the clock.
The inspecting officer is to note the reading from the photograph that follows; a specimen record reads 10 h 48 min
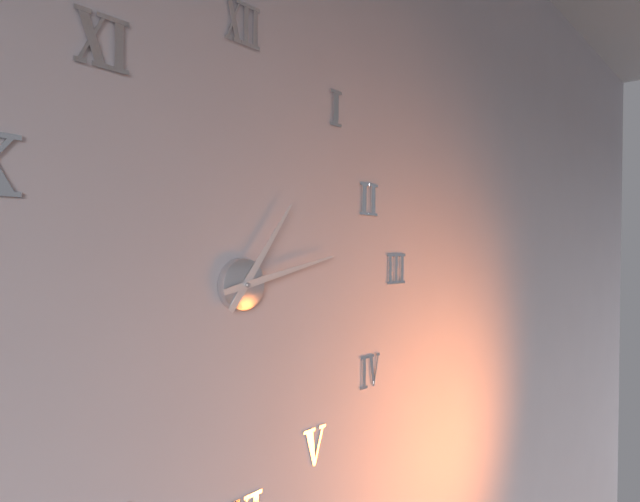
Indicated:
1 h 13 min
